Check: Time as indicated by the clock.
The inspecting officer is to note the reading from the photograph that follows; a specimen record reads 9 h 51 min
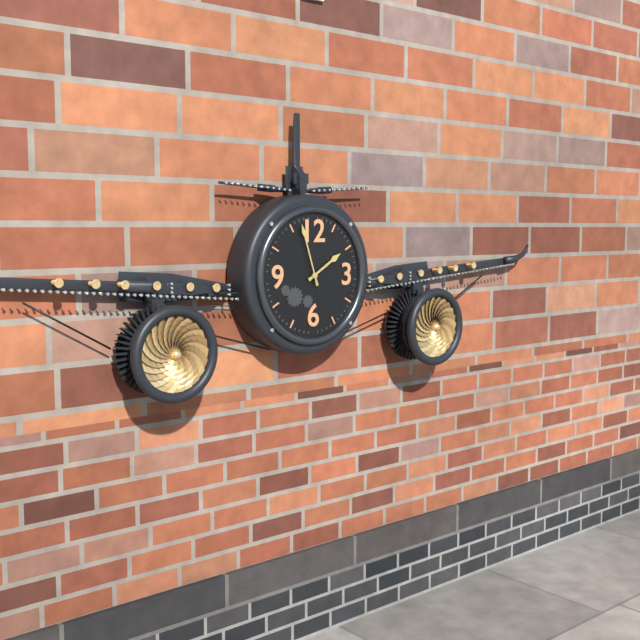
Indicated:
1 h 57 min
